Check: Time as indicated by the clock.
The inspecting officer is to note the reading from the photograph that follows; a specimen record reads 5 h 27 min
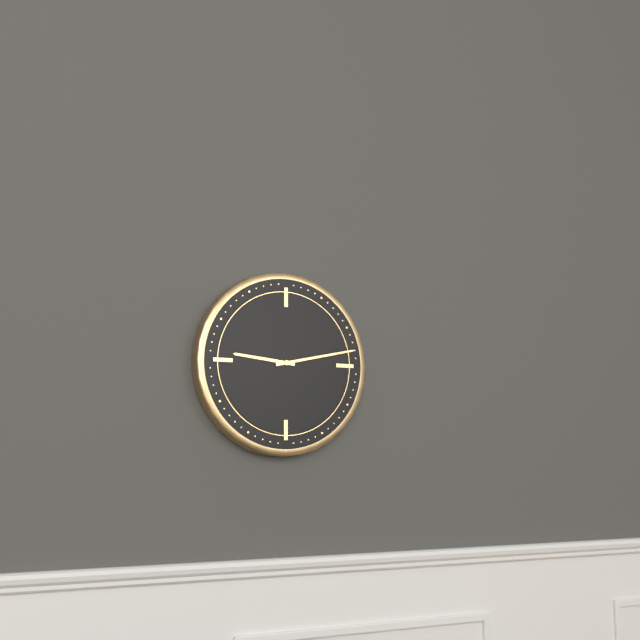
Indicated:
9 h 13 min
